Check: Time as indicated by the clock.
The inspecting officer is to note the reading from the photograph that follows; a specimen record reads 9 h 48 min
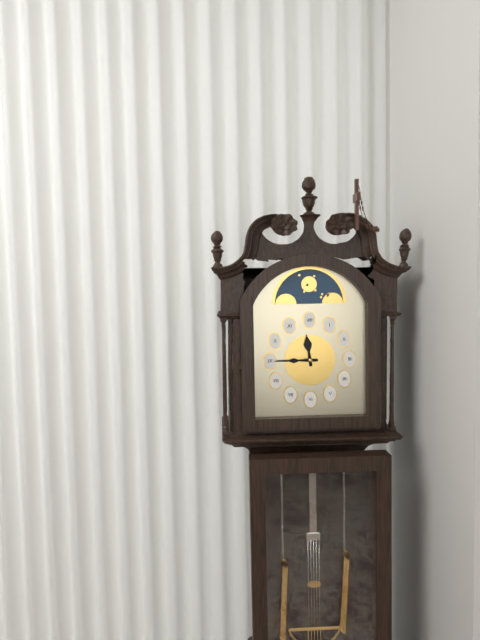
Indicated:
11 h 45 min
